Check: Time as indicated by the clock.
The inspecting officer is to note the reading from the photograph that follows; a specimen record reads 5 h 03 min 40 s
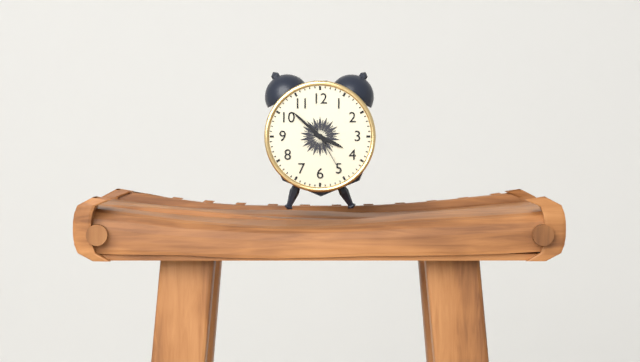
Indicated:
3 h 52 min 25 s
